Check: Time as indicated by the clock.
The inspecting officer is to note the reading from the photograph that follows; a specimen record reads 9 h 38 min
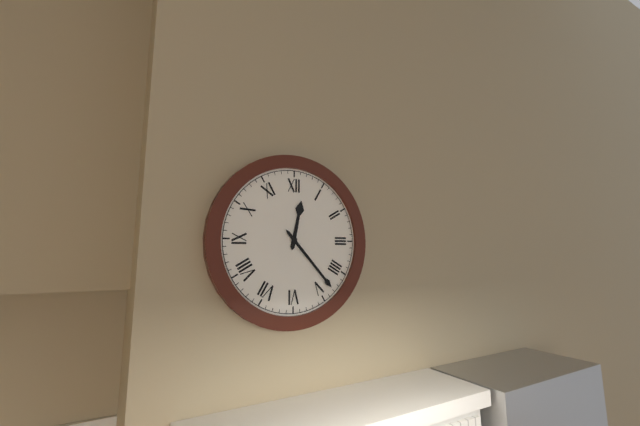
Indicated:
12 h 23 min
